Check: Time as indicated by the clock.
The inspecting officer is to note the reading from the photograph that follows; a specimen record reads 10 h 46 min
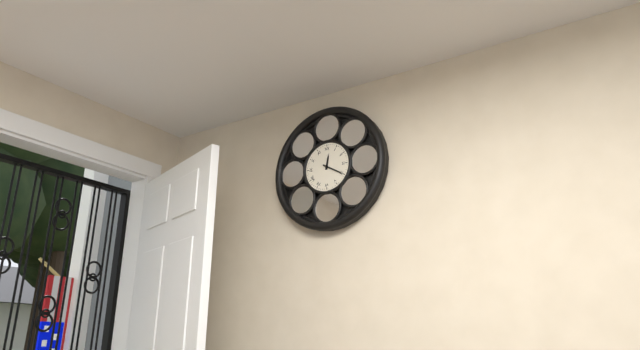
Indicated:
12 h 20 min
